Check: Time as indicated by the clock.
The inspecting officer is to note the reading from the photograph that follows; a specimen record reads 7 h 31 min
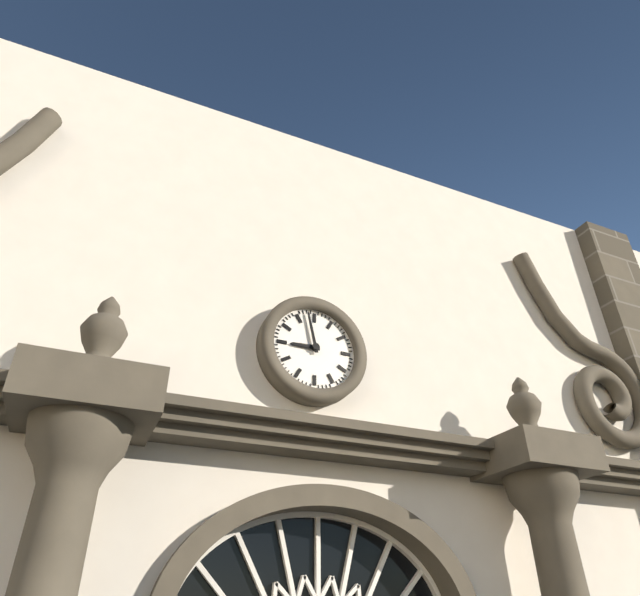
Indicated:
8 h 58 min
